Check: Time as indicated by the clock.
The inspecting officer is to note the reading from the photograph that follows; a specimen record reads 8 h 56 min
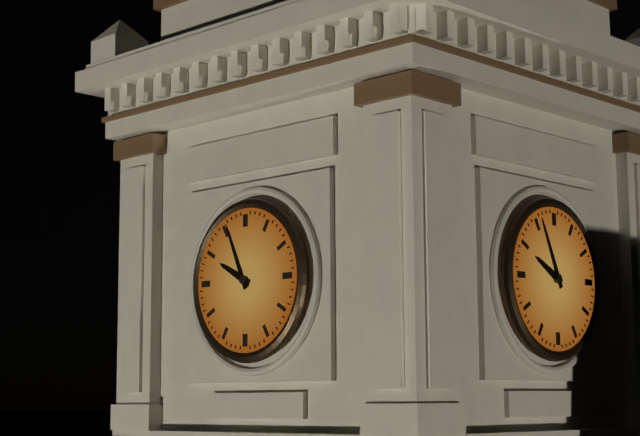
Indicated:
9 h 56 min
